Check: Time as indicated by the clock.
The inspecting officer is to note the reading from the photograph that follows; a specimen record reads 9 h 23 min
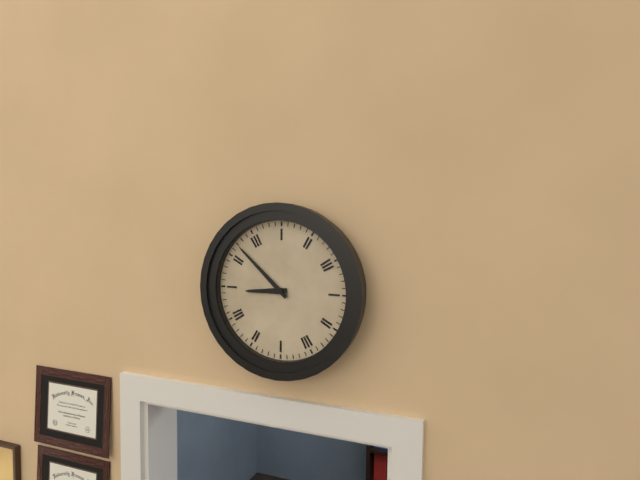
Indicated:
8 h 52 min
